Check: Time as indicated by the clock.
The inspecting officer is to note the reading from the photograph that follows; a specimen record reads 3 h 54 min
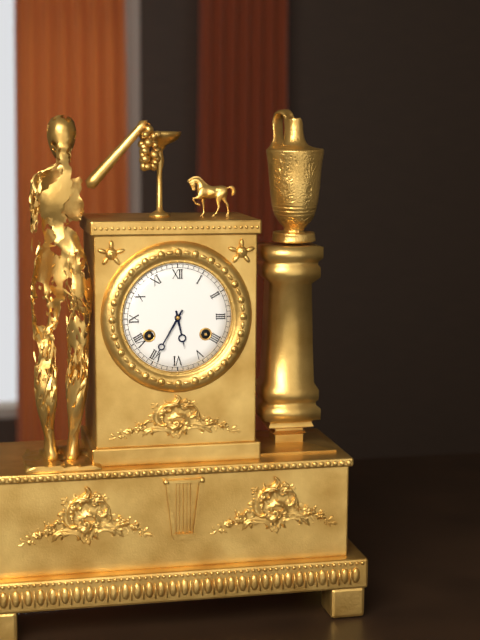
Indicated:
5 h 35 min
